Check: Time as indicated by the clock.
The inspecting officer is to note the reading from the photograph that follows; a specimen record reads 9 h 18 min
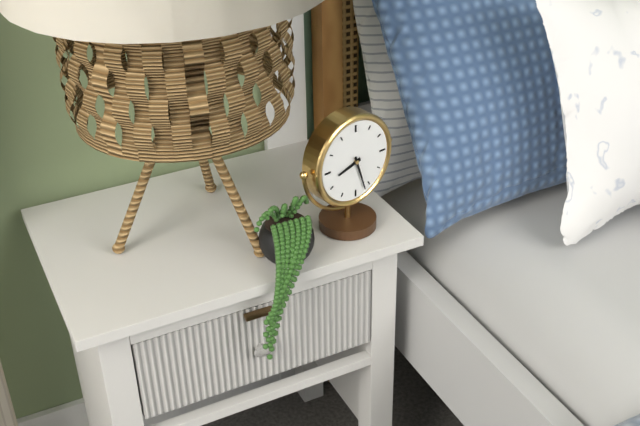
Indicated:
8 h 27 min
